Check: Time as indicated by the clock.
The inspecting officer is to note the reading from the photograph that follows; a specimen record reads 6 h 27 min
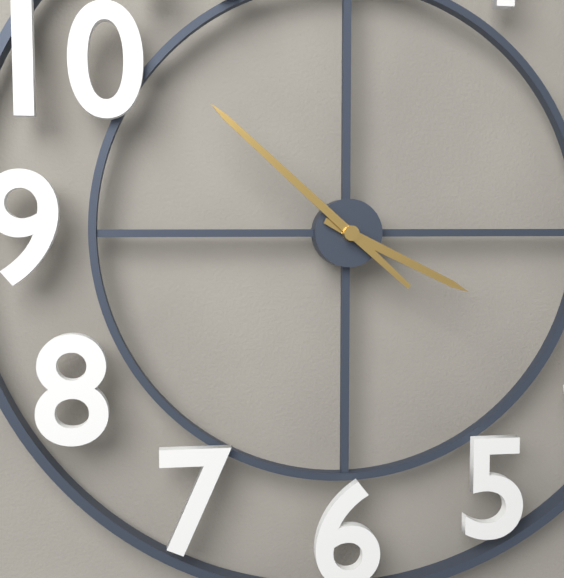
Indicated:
3 h 52 min
